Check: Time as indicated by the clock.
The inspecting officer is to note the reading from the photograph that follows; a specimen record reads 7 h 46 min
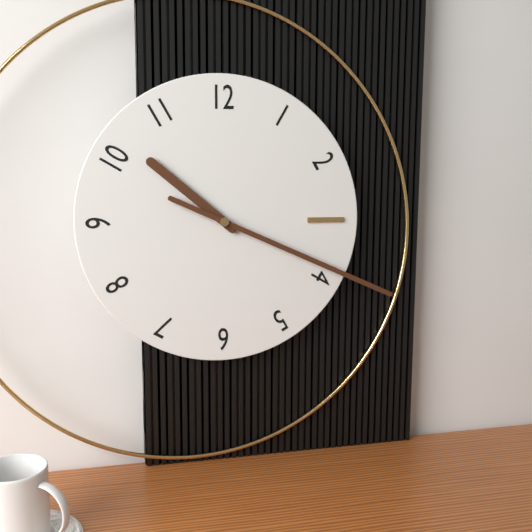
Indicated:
10 h 19 min
